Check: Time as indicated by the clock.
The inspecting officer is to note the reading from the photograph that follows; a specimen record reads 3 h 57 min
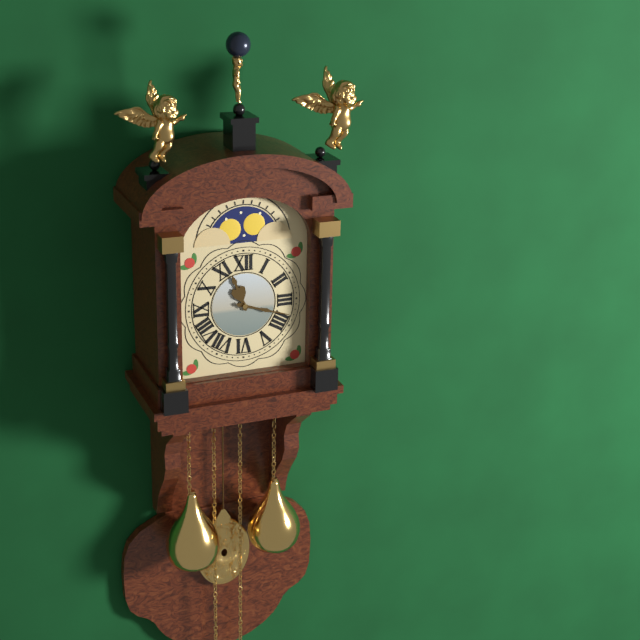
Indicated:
11 h 18 min
